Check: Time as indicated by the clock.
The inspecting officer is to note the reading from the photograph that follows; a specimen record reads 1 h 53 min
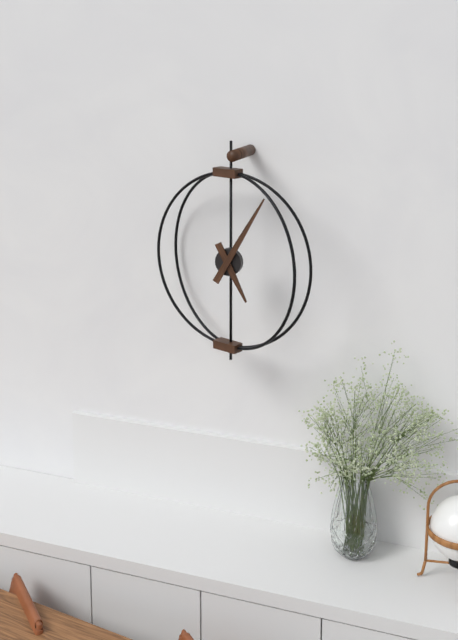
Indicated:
5 h 05 min
